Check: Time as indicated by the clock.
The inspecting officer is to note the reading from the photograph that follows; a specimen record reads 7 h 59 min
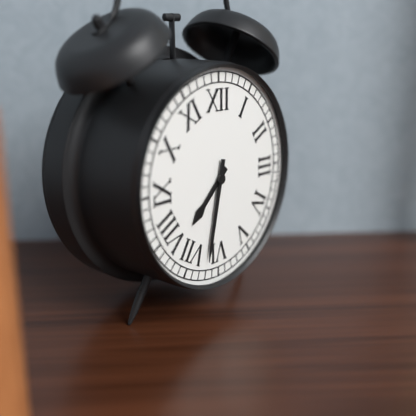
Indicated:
7 h 32 min
